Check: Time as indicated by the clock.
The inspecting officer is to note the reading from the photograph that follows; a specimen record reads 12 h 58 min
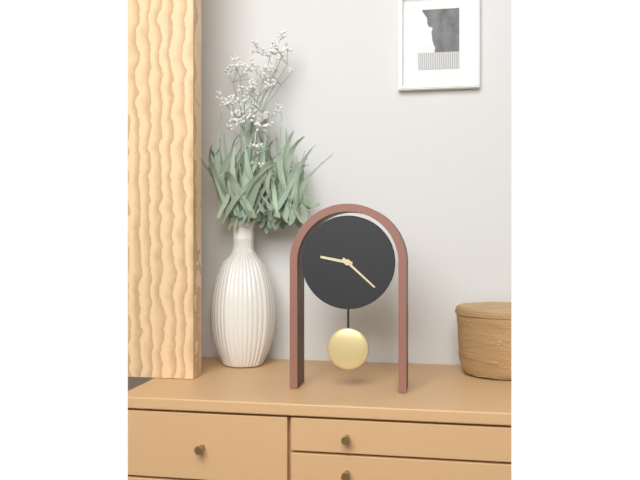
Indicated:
9 h 22 min
